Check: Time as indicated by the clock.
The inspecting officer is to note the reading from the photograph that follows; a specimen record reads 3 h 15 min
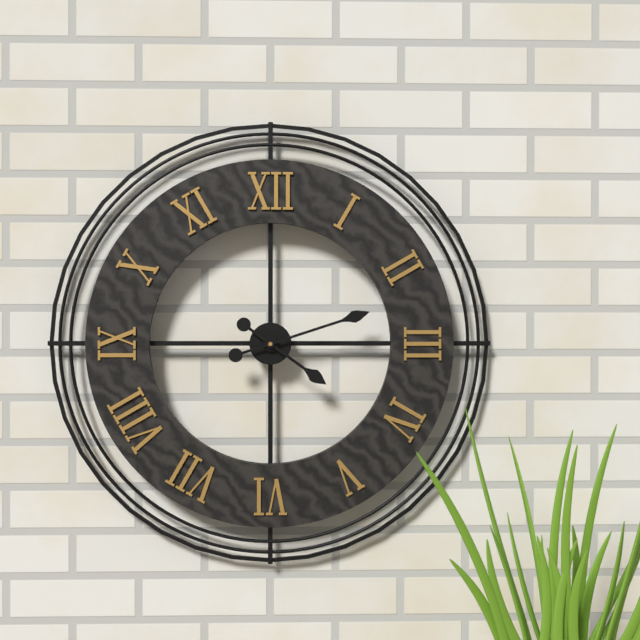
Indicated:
4 h 12 min
